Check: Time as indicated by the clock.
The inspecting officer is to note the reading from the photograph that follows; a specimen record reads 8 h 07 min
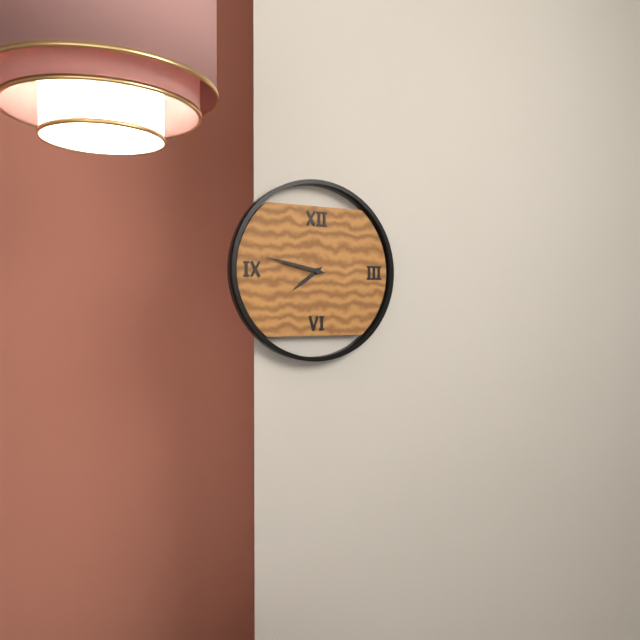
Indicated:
7 h 47 min
